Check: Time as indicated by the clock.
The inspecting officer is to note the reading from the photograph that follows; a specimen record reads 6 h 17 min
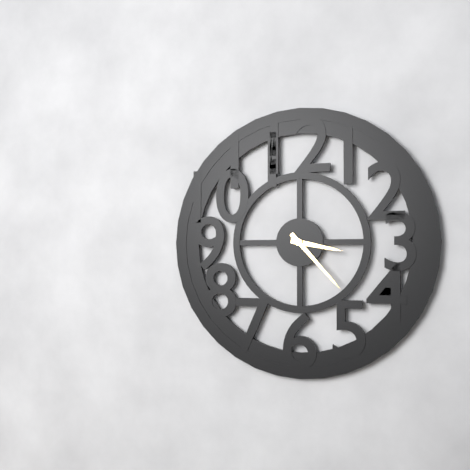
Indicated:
3 h 23 min
